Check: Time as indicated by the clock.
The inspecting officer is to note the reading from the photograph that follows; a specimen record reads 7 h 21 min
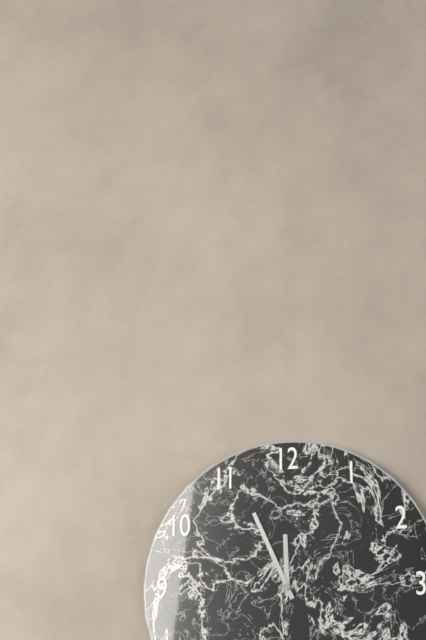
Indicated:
11 h 56 min
